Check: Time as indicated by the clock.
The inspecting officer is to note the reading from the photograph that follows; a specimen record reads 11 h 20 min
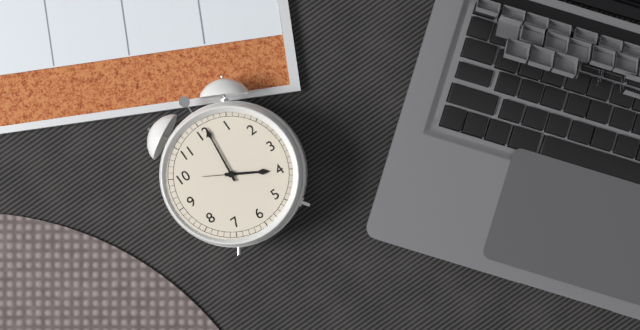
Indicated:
4 h 01 min
